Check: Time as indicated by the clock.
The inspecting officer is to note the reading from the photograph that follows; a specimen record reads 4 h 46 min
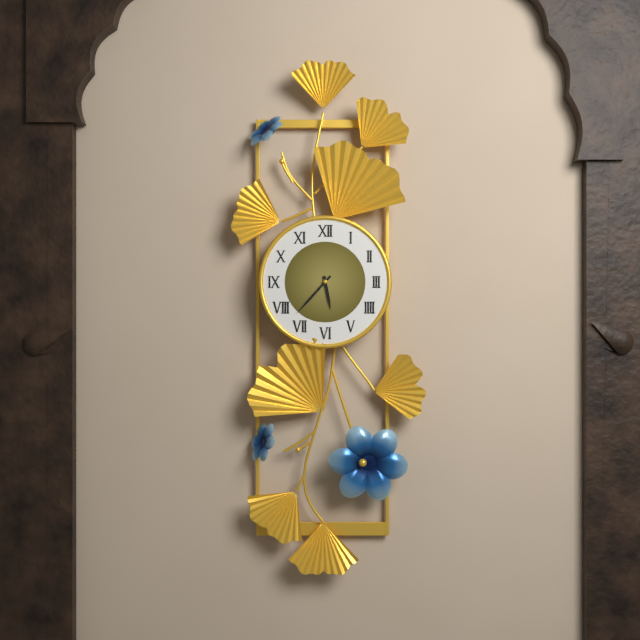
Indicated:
5 h 37 min
